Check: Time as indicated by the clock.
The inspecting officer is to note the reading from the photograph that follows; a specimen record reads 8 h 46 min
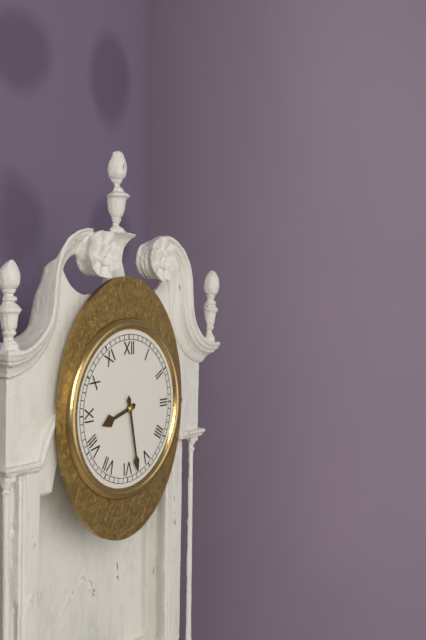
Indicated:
8 h 28 min
